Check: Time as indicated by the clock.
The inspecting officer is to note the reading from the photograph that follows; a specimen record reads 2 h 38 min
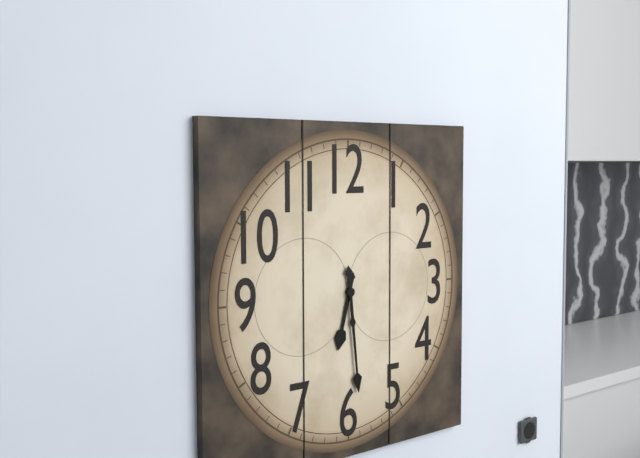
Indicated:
6 h 29 min
